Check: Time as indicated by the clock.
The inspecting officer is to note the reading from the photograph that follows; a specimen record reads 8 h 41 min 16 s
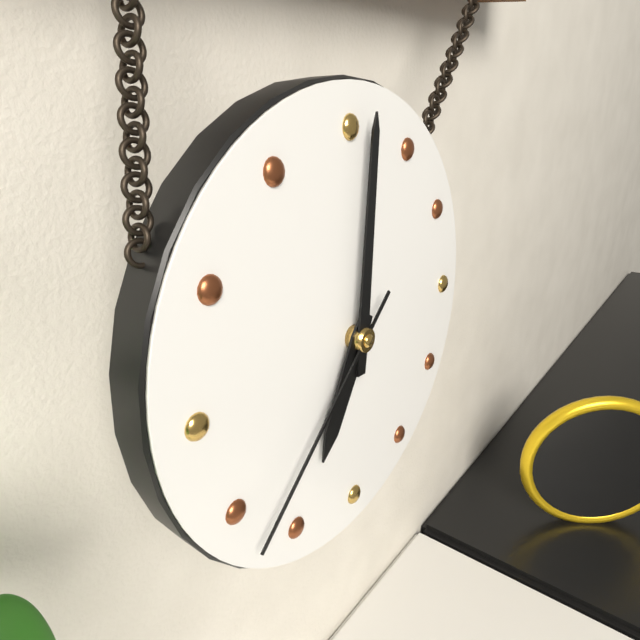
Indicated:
7 h 01 min 38 s
